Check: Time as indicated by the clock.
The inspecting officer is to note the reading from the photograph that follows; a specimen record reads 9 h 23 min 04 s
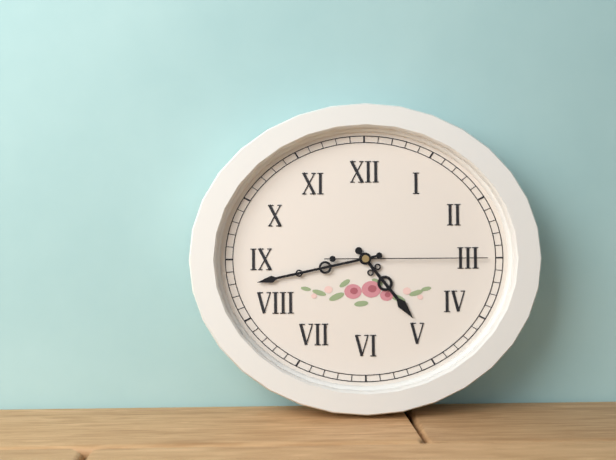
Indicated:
4 h 43 min 15 s
